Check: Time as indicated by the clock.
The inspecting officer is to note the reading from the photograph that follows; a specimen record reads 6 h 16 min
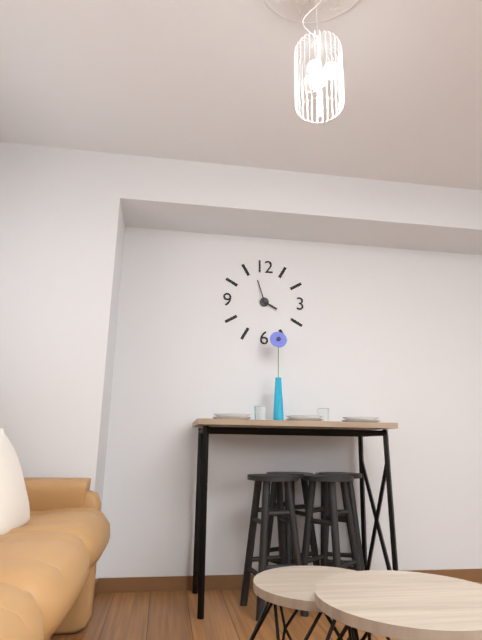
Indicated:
3 h 57 min
